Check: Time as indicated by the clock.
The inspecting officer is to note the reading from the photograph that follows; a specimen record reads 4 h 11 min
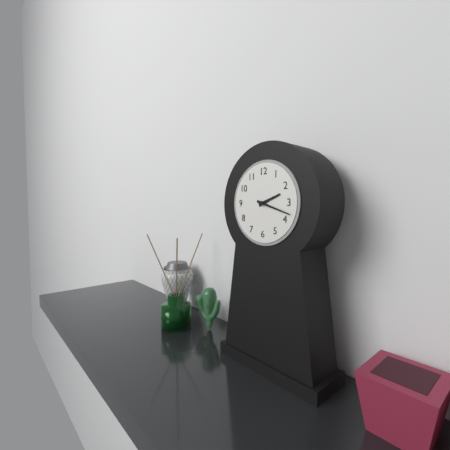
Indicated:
2 h 18 min
